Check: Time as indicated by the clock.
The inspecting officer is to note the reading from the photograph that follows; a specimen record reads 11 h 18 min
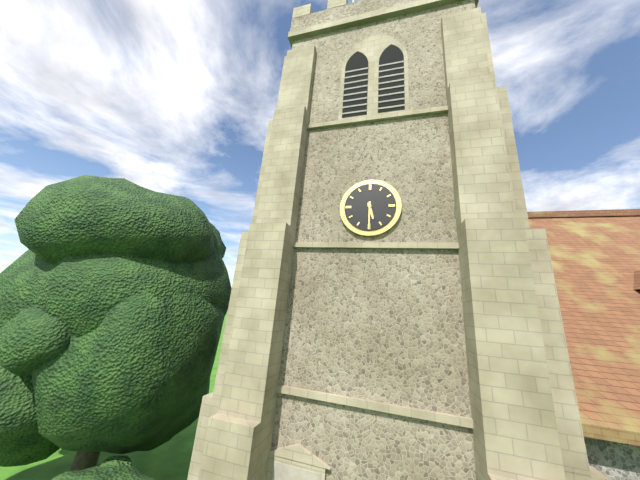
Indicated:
5 h 30 min
